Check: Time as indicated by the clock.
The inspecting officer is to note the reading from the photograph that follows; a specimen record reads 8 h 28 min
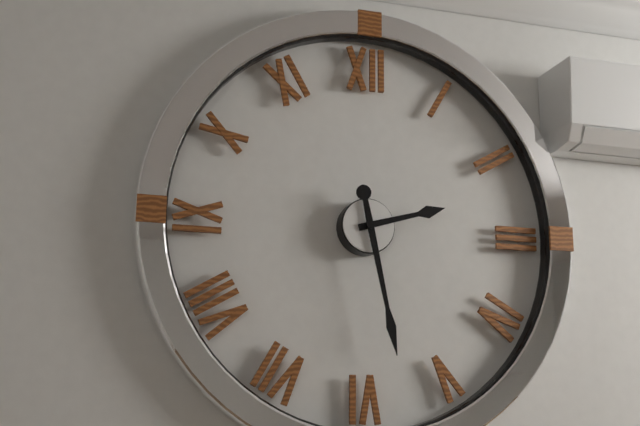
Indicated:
2 h 28 min
